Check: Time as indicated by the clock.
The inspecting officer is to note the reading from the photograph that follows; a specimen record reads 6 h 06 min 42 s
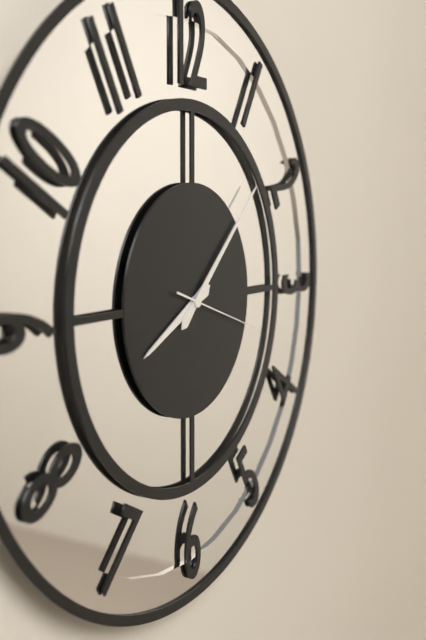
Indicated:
8 h 08 min 18 s
